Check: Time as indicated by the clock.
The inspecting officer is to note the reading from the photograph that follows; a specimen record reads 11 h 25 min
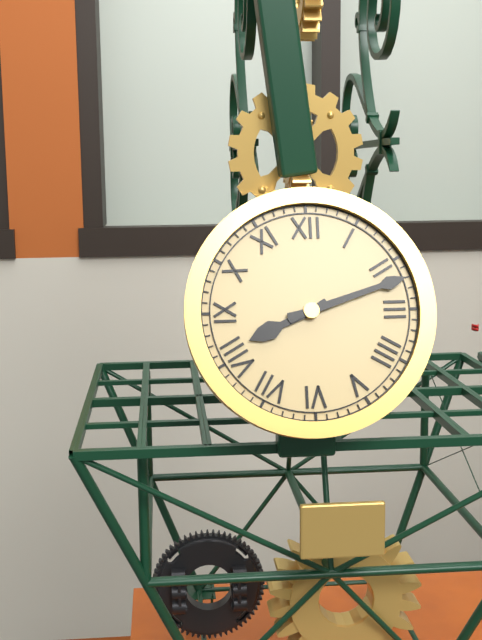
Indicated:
8 h 12 min
